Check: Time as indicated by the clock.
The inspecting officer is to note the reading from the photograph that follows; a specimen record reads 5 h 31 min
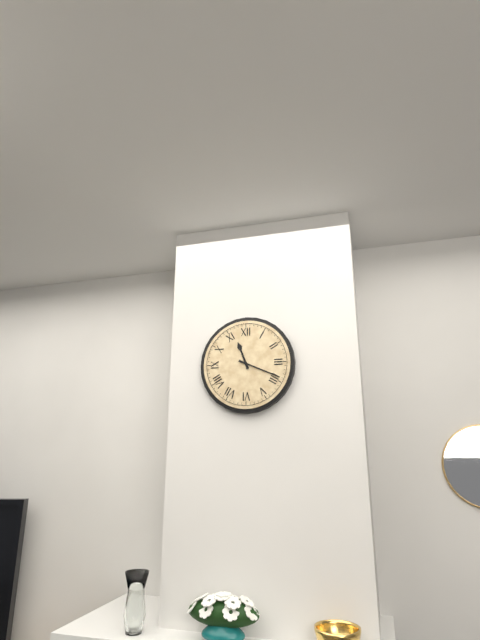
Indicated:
11 h 19 min
